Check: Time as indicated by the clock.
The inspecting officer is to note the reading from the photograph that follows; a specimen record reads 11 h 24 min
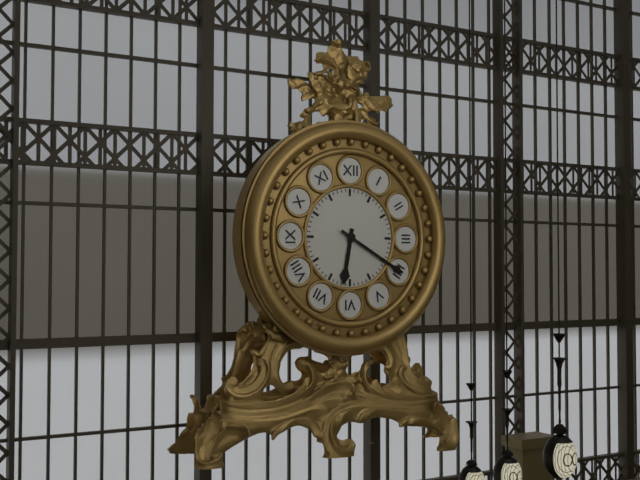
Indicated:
6 h 20 min
